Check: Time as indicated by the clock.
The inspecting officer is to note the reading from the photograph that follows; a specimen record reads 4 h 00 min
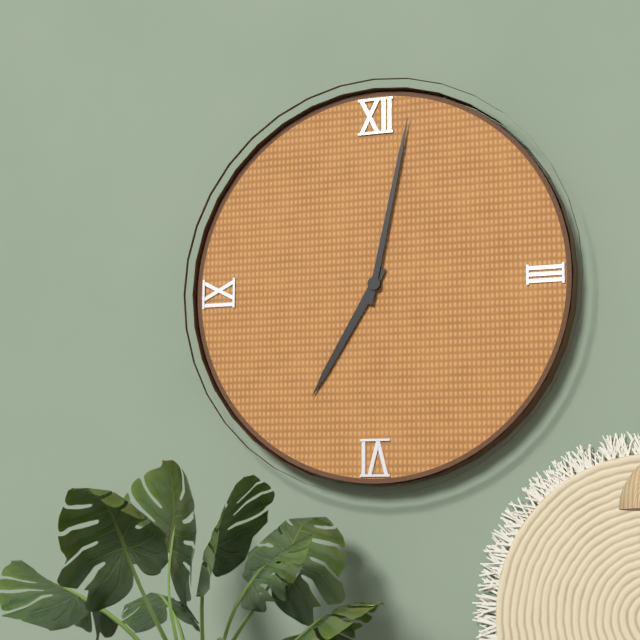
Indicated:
7 h 02 min
